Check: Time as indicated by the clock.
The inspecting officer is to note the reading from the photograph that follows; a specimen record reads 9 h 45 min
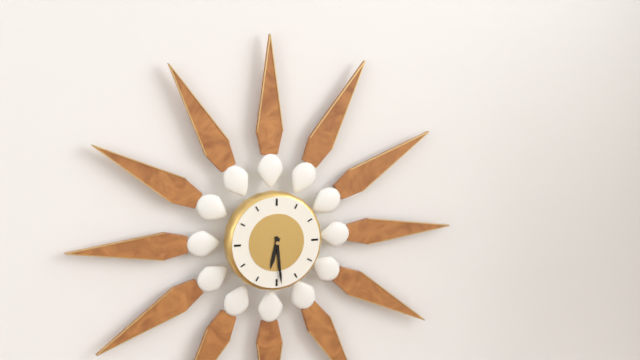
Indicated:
6 h 29 min
